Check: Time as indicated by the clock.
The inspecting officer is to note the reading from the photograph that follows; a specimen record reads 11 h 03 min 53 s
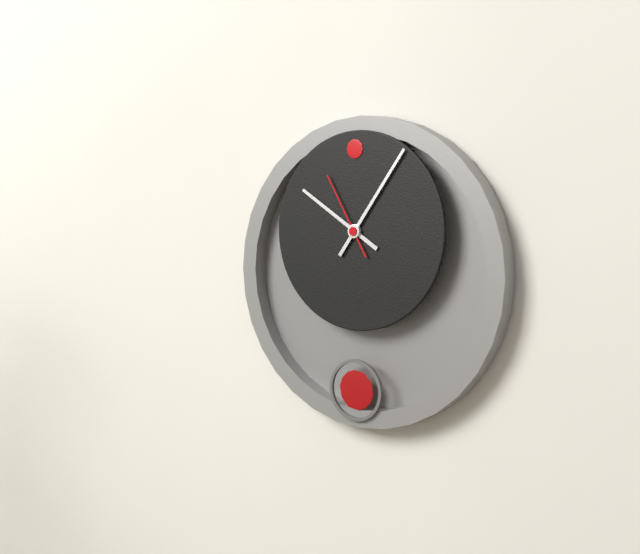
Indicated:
10 h 06 min 55 s
